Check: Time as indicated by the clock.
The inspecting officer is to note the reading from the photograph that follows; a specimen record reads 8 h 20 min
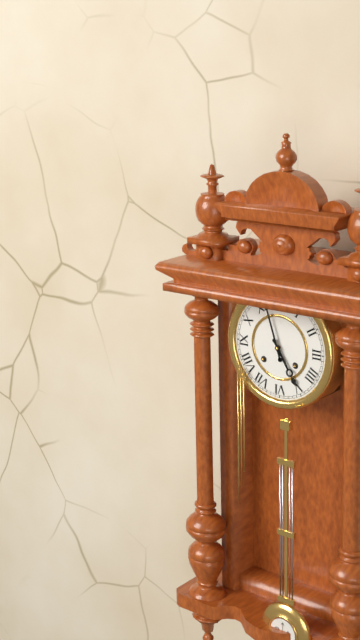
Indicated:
4 h 57 min
